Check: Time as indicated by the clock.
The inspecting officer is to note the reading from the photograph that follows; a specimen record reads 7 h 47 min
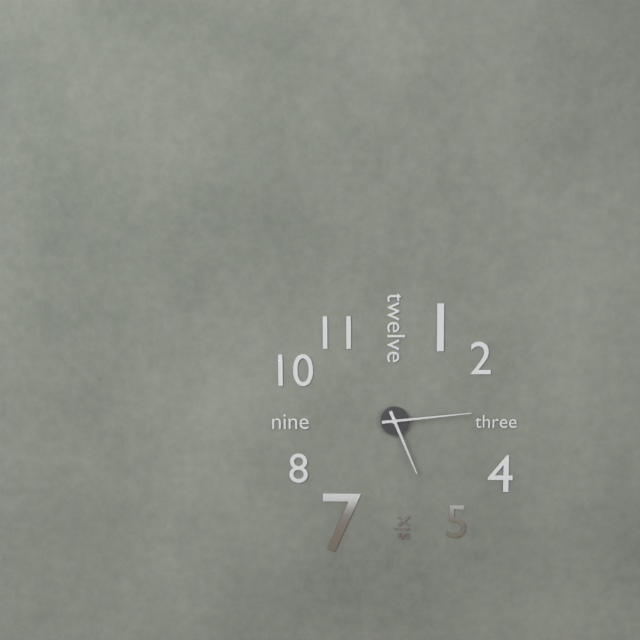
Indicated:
5 h 14 min
